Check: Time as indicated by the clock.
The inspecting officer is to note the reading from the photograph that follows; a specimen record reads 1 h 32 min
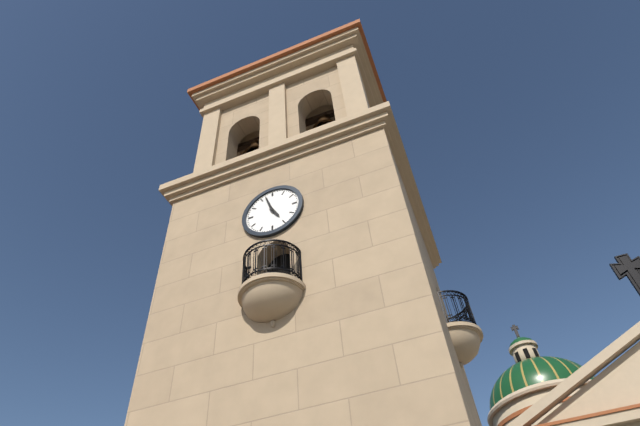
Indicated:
4 h 57 min
